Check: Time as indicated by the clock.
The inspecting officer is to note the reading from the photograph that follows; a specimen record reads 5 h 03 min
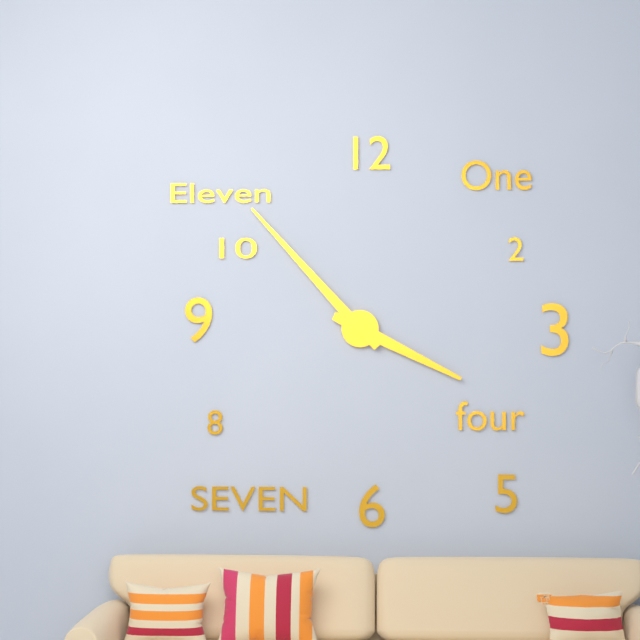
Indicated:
3 h 53 min
